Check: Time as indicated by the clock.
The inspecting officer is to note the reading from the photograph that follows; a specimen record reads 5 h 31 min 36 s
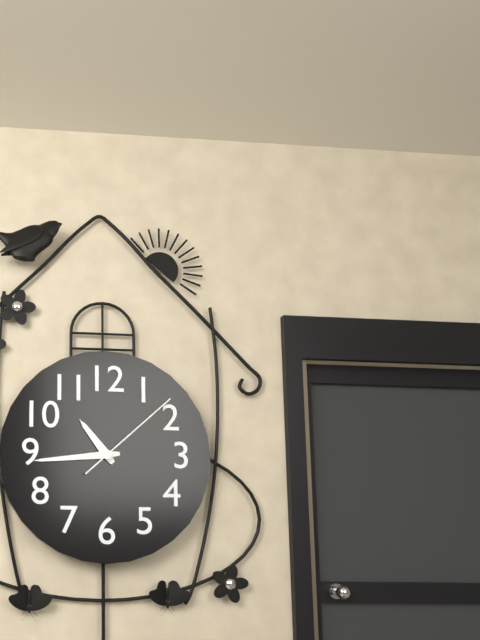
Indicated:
10 h 44 min 08 s
